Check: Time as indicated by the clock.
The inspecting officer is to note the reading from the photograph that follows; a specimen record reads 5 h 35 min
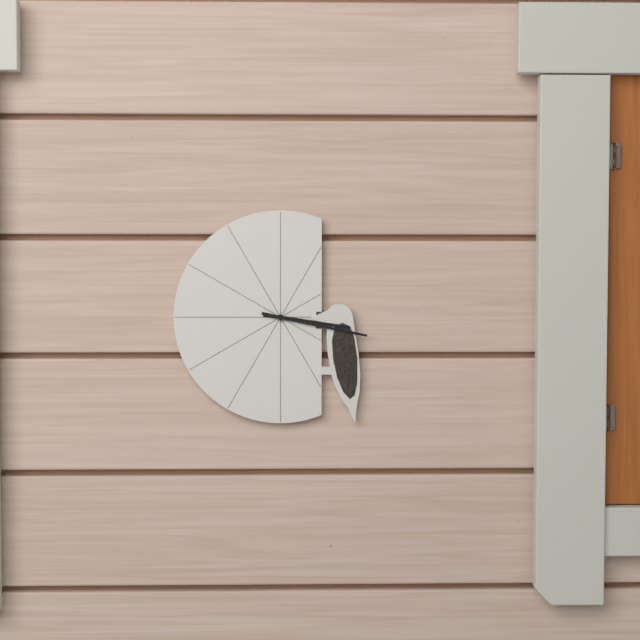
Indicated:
3 h 17 min
